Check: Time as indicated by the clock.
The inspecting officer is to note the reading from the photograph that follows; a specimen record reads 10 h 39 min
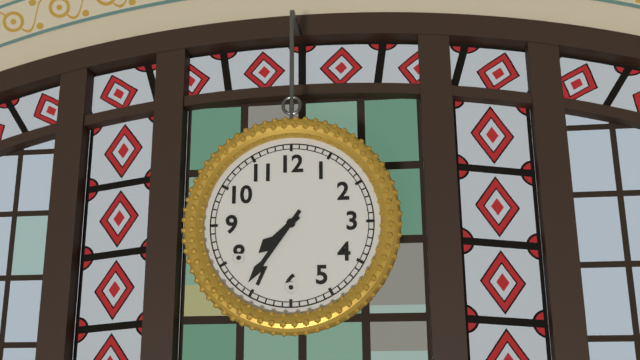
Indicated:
7 h 36 min
